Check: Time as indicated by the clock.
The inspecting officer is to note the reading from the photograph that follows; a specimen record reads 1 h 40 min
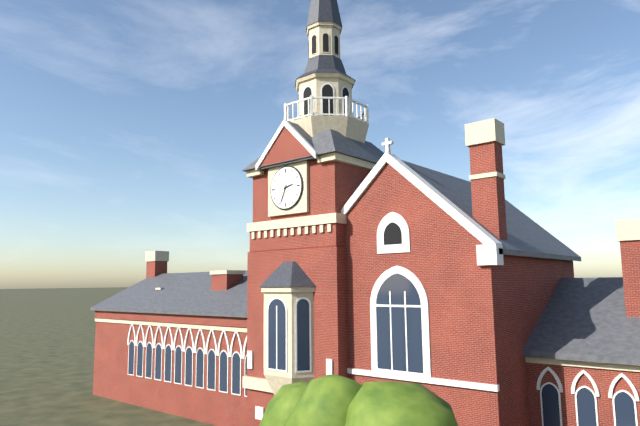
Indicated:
2 h 34 min
